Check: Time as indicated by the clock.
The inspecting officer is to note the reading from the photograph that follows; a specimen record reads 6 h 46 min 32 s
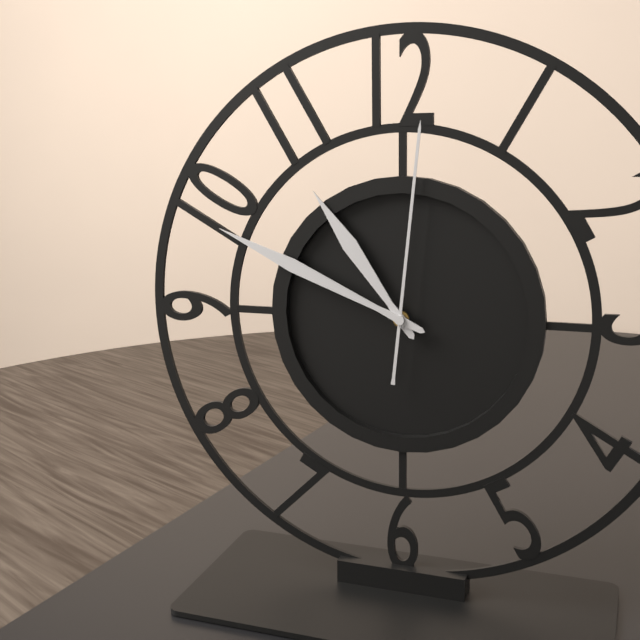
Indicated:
10 h 49 min 01 s
